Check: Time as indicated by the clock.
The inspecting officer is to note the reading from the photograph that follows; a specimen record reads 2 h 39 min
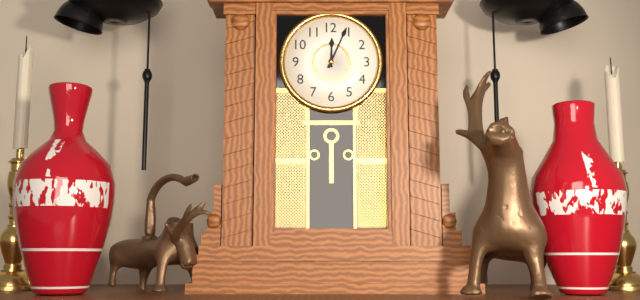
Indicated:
12 h 04 min
